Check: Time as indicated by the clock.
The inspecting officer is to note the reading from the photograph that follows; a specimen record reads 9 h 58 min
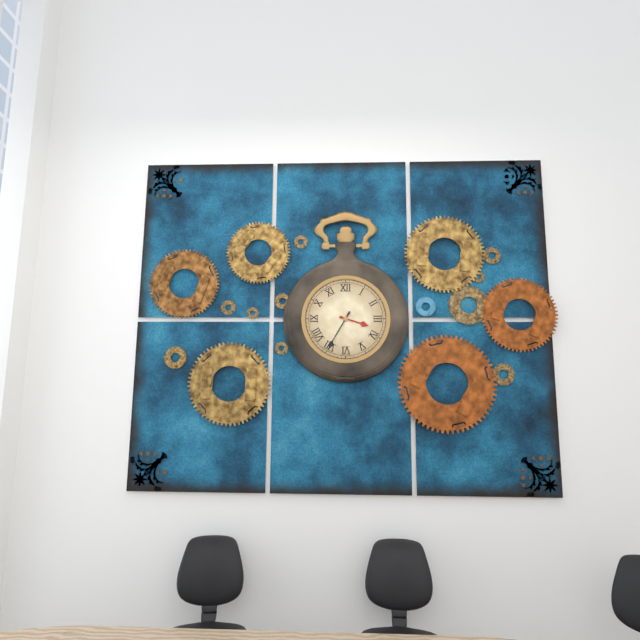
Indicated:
3 h 35 min
